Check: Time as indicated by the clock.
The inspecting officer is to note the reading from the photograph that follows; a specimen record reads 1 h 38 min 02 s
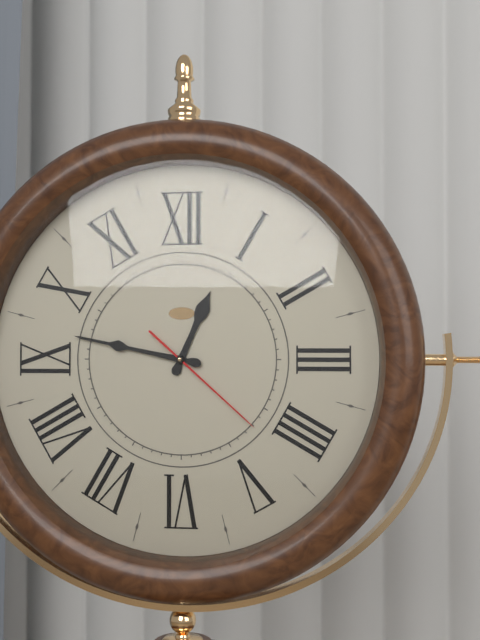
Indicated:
12 h 47 min 22 s
